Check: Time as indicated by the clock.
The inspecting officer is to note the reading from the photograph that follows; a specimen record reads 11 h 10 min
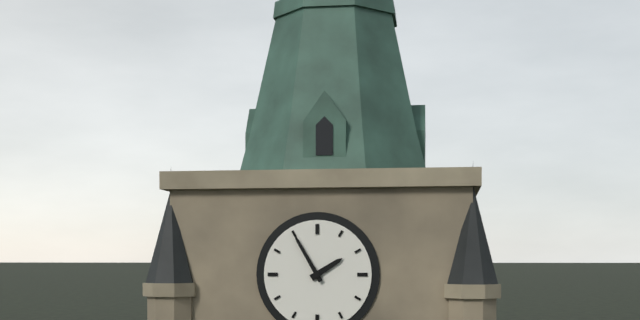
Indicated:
1 h 55 min
